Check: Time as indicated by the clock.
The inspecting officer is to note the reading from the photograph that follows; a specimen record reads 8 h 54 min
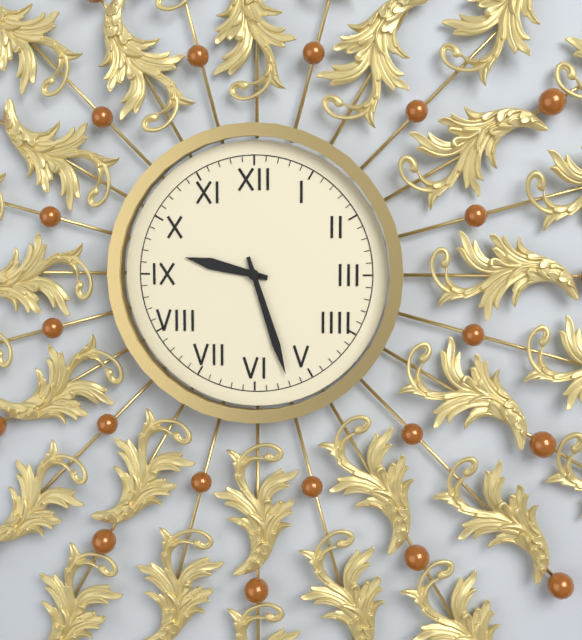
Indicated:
9 h 27 min
